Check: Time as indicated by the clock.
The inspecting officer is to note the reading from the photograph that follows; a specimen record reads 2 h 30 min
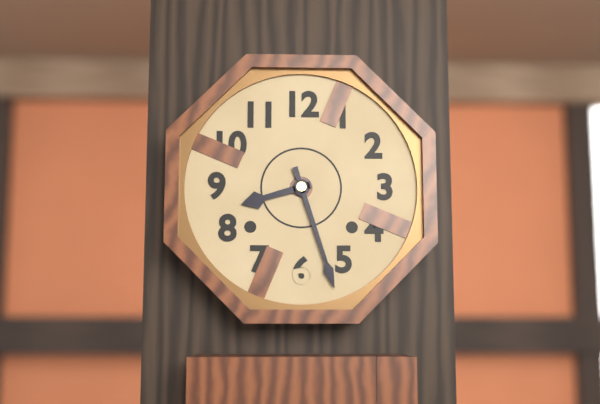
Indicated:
8 h 27 min
